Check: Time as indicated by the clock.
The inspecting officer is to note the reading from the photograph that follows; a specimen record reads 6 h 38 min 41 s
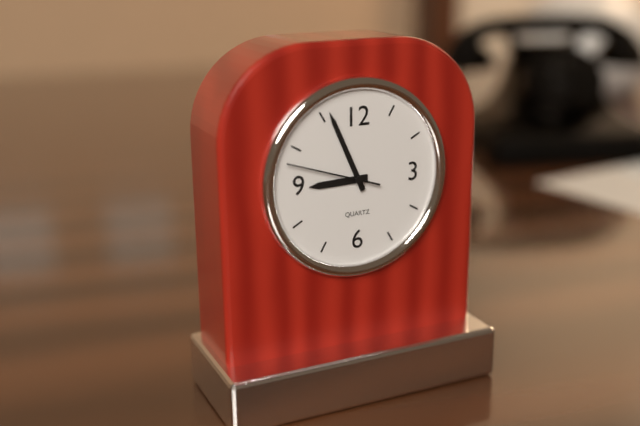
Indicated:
8 h 56 min 48 s
